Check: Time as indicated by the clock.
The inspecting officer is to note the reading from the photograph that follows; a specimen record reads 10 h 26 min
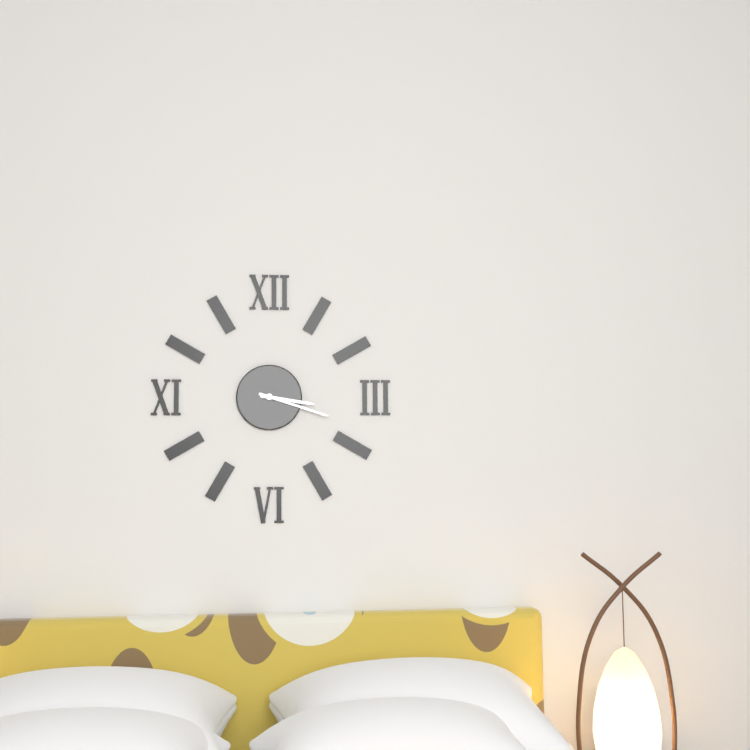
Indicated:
3 h 18 min
